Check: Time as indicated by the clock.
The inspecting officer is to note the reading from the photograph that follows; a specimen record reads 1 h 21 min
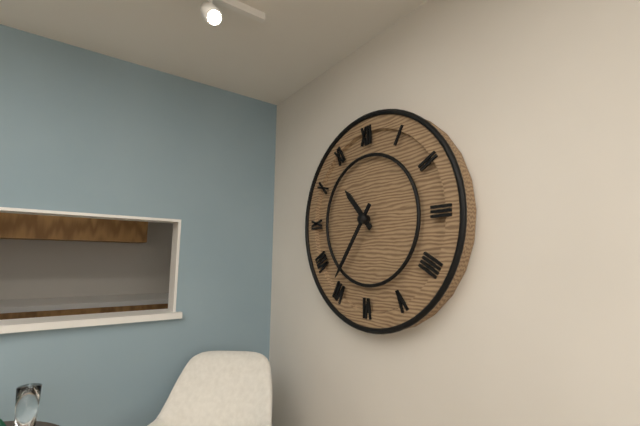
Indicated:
10 h 36 min
